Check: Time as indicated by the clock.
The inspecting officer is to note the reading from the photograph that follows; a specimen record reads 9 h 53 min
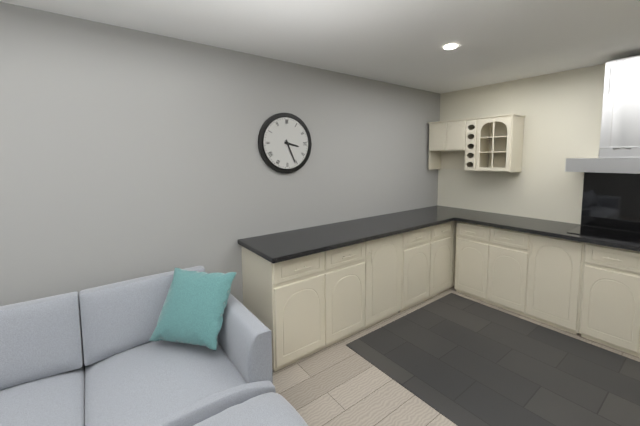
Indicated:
3 h 26 min
